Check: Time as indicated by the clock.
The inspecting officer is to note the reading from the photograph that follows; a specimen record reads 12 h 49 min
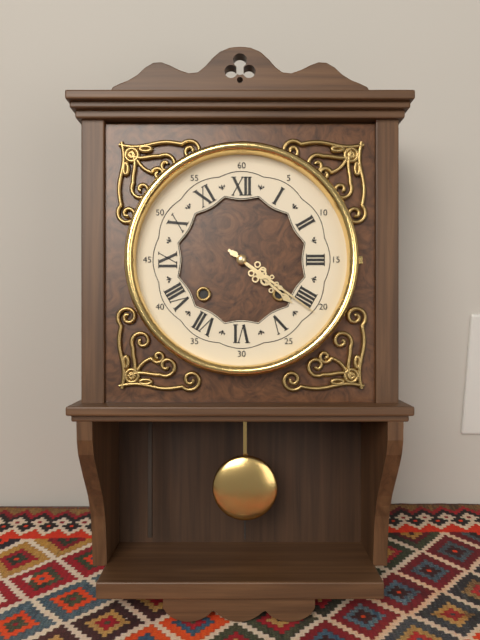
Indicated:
4 h 21 min
